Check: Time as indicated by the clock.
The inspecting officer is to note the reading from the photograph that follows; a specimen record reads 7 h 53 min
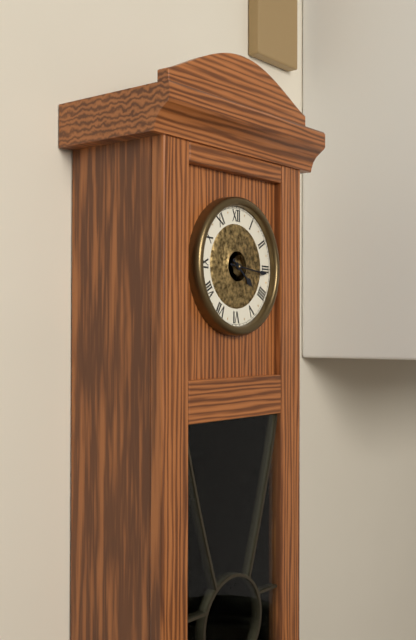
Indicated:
4 h 16 min
